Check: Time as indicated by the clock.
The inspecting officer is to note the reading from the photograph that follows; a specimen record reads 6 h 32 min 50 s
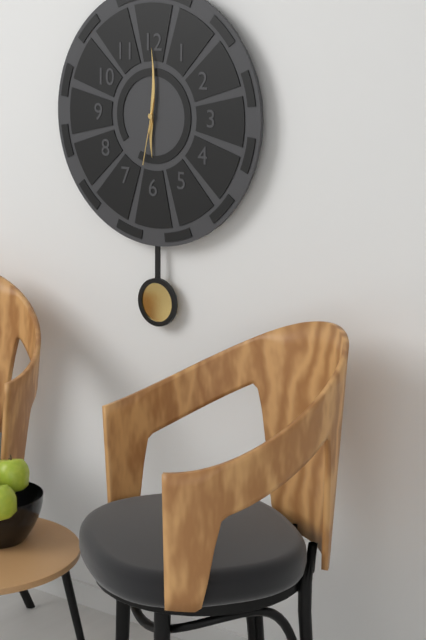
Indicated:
6 h 00 min 32 s
